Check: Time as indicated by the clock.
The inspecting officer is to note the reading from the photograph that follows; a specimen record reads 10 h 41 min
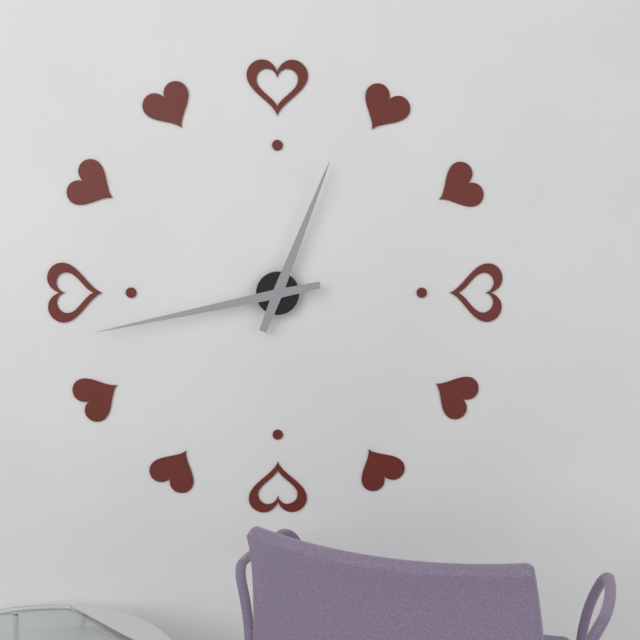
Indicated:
12 h 43 min
